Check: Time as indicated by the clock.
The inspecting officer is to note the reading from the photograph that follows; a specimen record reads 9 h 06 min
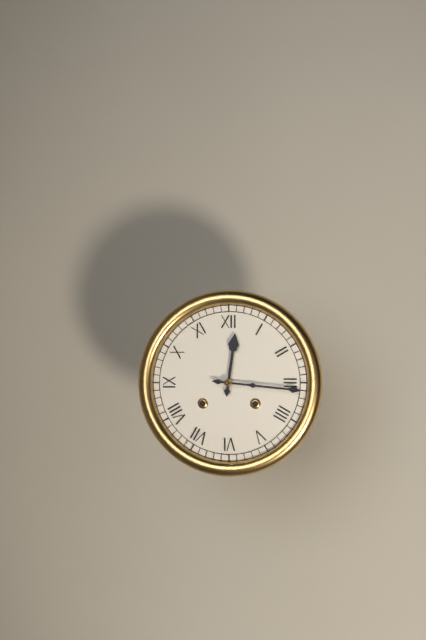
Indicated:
12 h 16 min
